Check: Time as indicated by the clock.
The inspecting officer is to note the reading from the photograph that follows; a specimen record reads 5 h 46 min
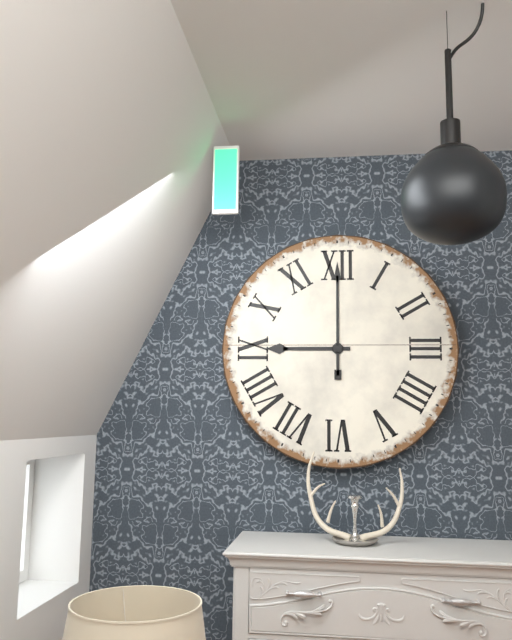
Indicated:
9 h 00 min
